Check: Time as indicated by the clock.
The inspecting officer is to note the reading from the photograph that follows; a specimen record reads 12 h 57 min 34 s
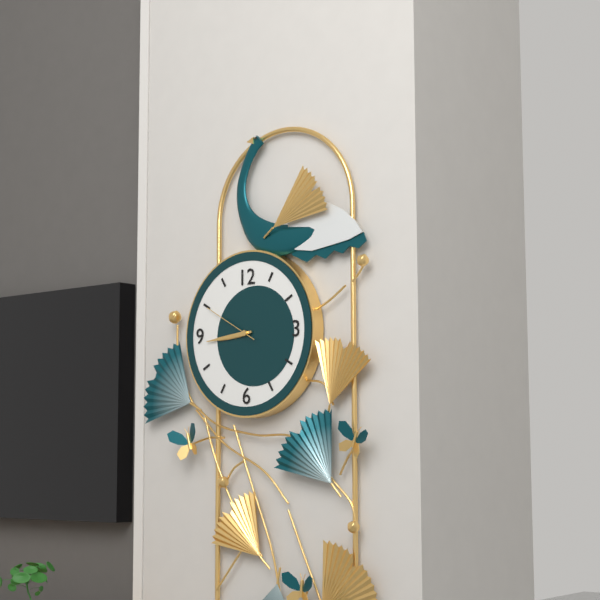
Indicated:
8 h 44 min 50 s
